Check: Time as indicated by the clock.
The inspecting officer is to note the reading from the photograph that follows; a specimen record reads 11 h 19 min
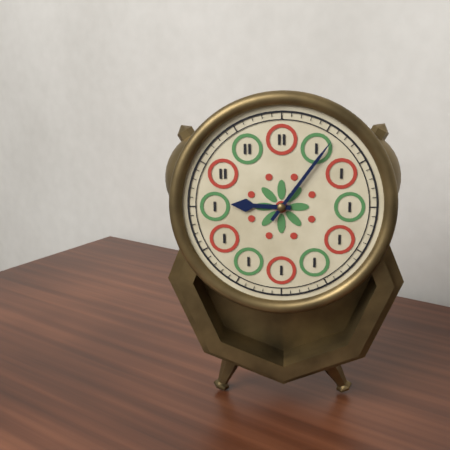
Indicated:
9 h 06 min
